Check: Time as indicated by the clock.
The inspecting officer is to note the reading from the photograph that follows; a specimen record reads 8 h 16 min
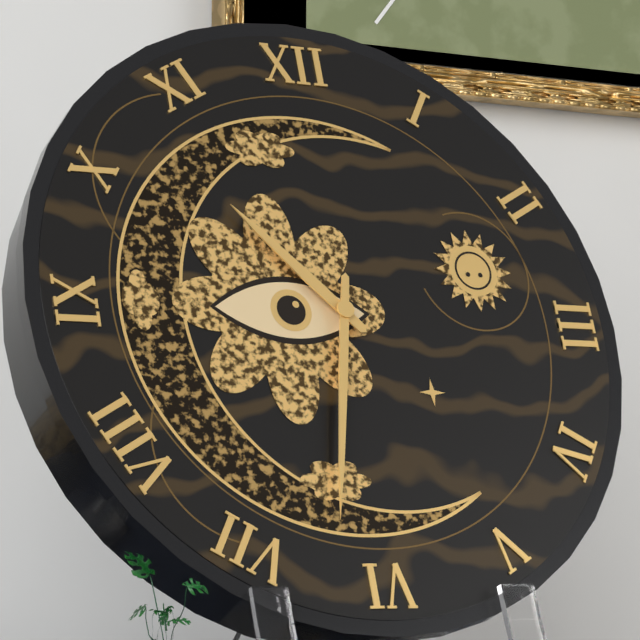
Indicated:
10 h 32 min
